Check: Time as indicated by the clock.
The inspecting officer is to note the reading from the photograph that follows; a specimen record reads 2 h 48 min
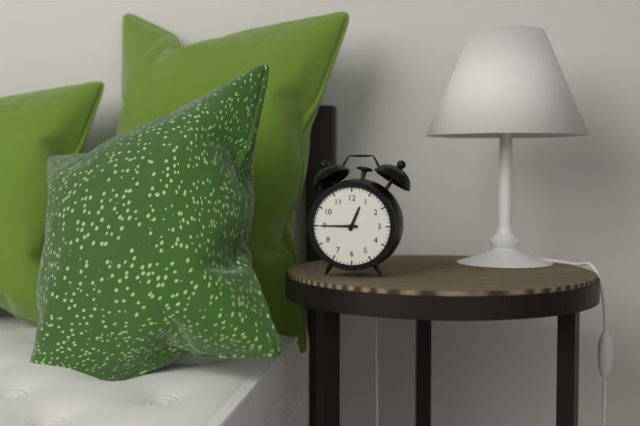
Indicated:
12 h 45 min
